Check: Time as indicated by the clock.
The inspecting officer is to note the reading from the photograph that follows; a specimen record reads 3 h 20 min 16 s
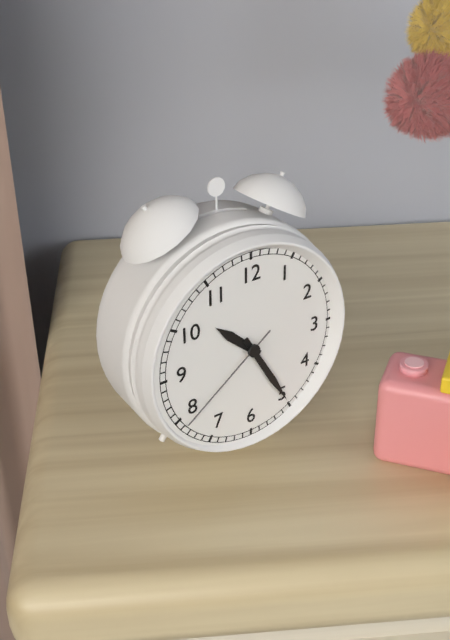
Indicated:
10 h 25 min 39 s
